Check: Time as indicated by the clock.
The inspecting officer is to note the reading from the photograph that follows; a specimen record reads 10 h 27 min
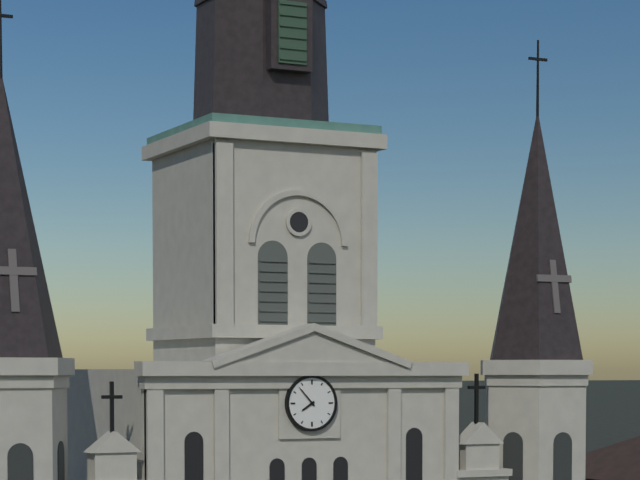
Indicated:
7 h 53 min
